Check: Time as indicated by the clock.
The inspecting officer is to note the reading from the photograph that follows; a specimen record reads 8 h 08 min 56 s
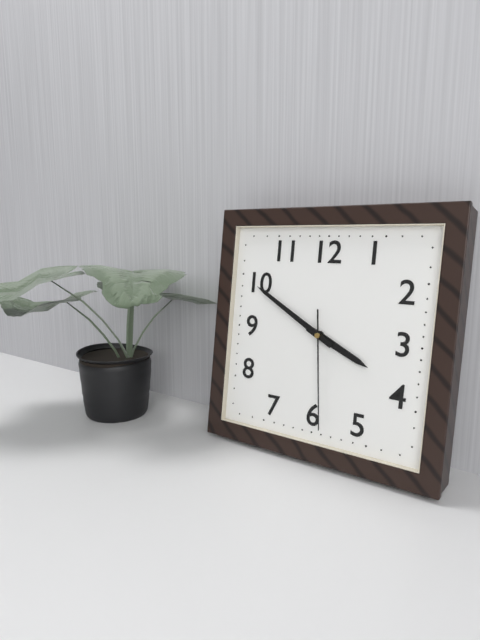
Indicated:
3 h 50 min 29 s
